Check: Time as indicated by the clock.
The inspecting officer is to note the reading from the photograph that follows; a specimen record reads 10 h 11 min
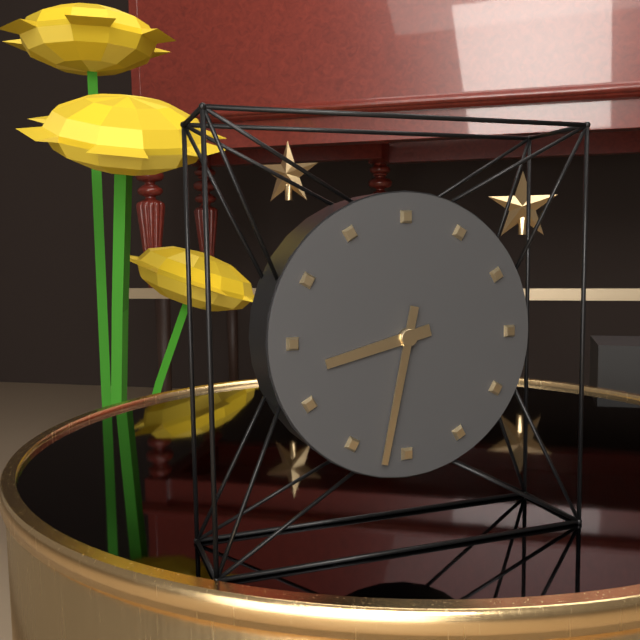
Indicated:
8 h 32 min
